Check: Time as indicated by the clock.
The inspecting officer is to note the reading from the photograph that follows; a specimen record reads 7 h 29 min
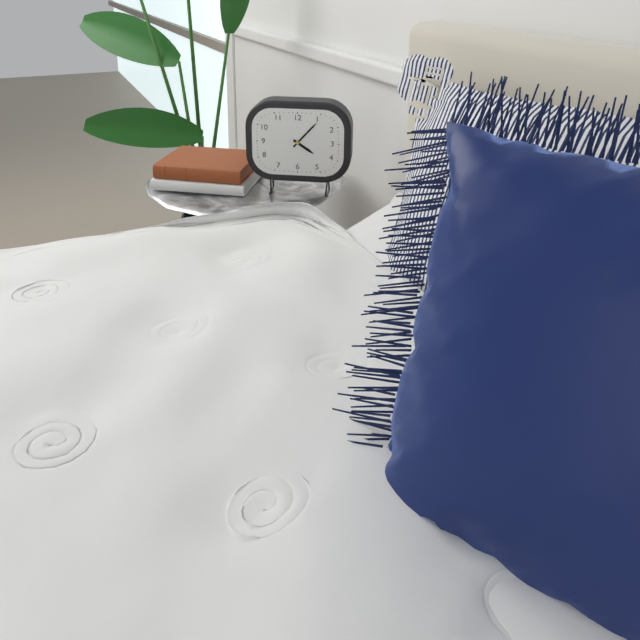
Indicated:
4 h 07 min
